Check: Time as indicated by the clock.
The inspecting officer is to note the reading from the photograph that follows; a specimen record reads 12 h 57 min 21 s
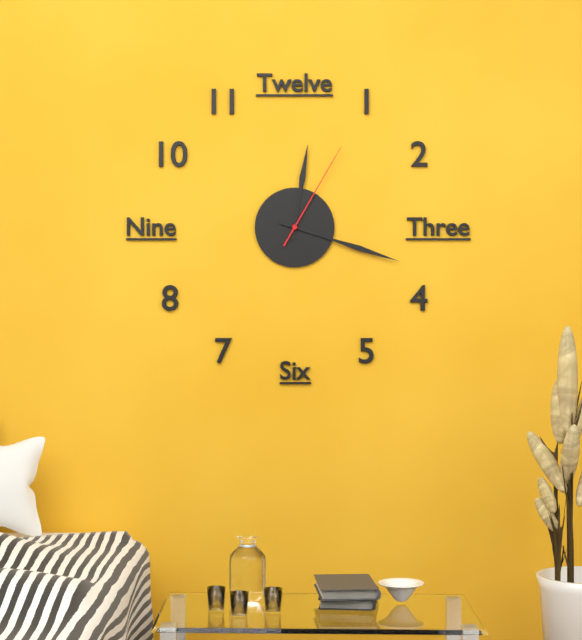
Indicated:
12 h 18 min 05 s
